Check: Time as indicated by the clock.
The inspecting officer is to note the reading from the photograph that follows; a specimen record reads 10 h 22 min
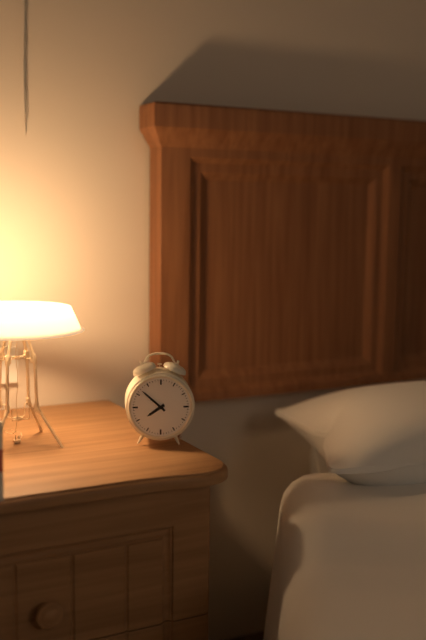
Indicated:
7 h 52 min
